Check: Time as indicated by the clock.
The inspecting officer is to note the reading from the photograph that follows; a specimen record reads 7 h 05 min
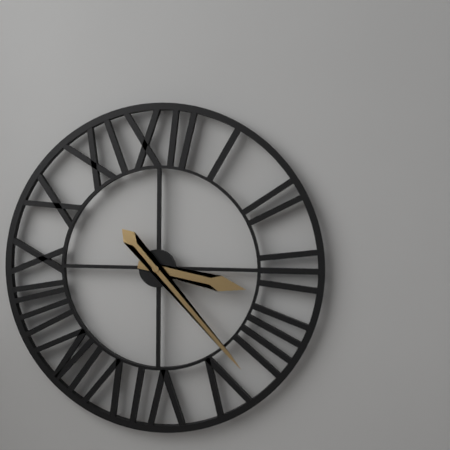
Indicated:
3 h 23 min
